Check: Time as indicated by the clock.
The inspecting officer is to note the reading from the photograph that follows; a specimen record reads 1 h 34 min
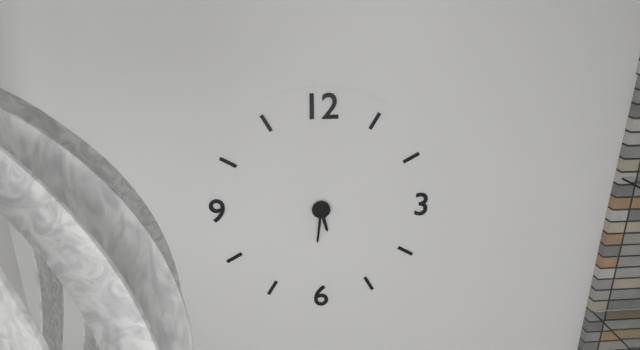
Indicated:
5 h 31 min
